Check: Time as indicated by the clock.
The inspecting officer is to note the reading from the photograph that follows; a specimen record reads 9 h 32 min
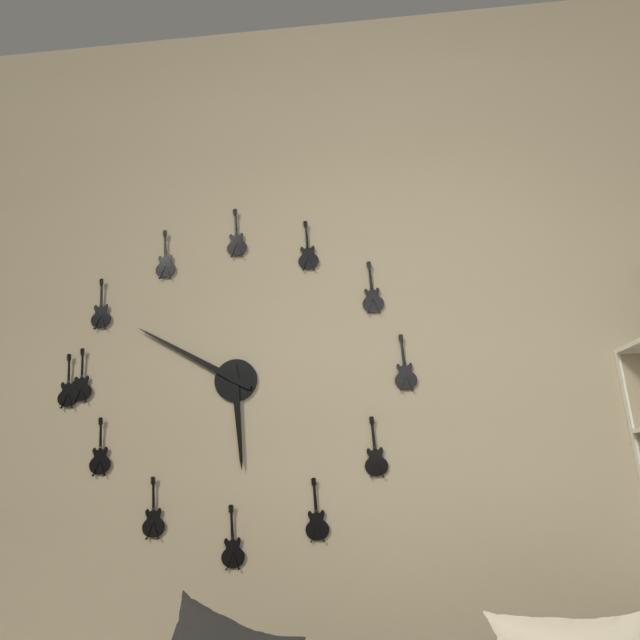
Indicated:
5 h 50 min
